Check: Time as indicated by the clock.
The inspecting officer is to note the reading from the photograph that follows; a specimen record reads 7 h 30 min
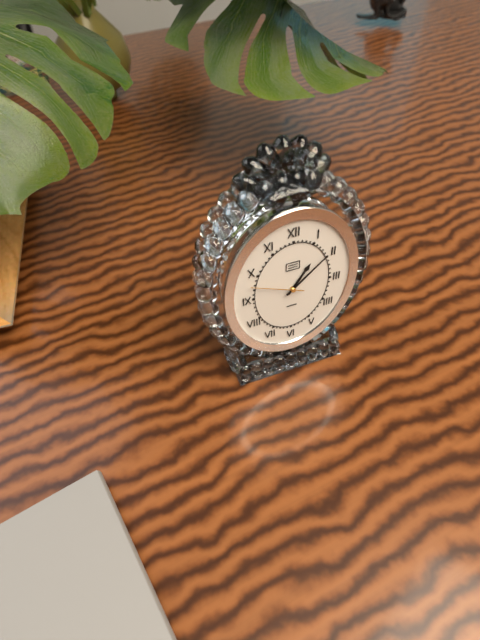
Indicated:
1 h 08 min
